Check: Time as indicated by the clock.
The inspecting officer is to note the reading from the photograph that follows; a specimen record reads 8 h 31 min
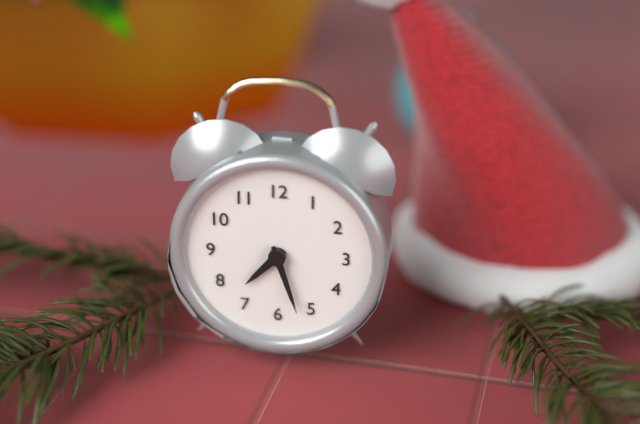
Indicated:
7 h 27 min
